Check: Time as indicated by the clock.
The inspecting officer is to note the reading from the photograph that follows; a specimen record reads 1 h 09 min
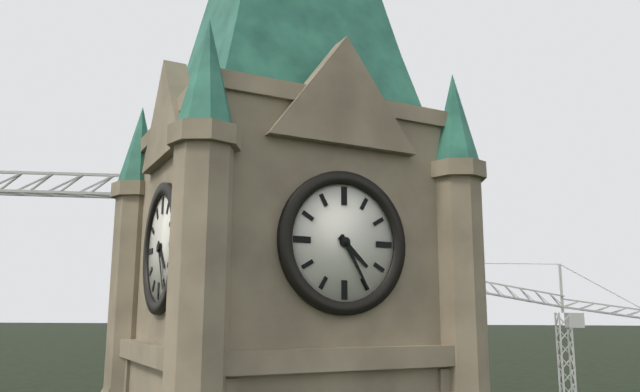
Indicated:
4 h 25 min
